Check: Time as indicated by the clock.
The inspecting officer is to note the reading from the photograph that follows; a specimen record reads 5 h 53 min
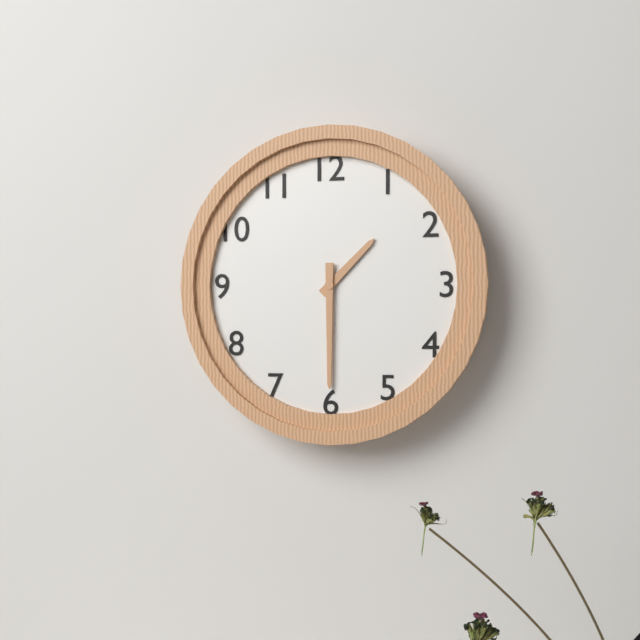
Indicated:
1 h 30 min
